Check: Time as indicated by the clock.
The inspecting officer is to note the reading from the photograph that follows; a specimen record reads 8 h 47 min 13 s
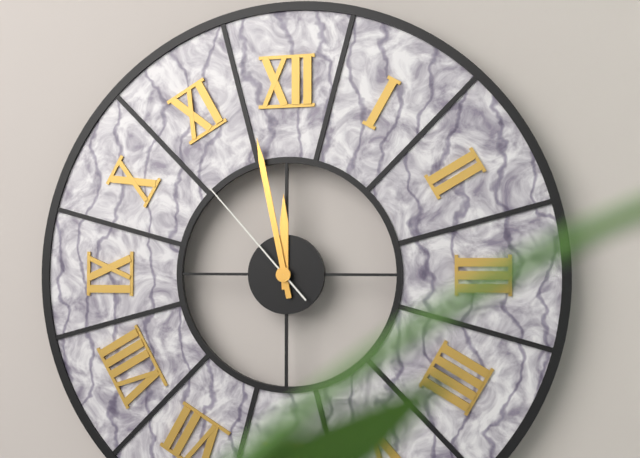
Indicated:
11 h 58 min 53 s
